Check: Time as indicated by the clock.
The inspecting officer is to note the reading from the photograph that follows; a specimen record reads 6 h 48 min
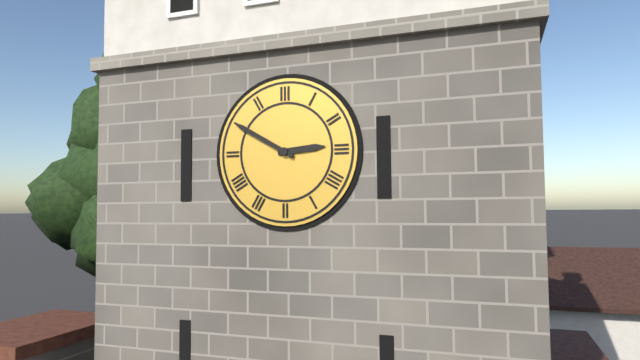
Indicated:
2 h 50 min
